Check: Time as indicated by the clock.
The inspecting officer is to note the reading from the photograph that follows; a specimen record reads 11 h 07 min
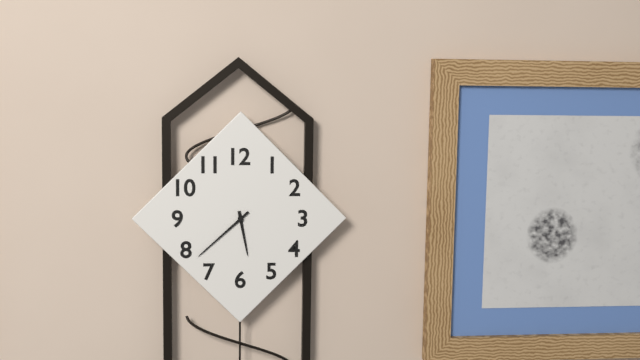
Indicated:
5 h 38 min
